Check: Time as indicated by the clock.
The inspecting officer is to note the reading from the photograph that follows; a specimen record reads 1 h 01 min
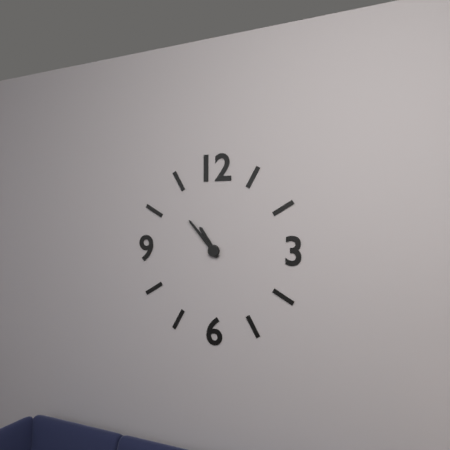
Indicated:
10 h 53 min
